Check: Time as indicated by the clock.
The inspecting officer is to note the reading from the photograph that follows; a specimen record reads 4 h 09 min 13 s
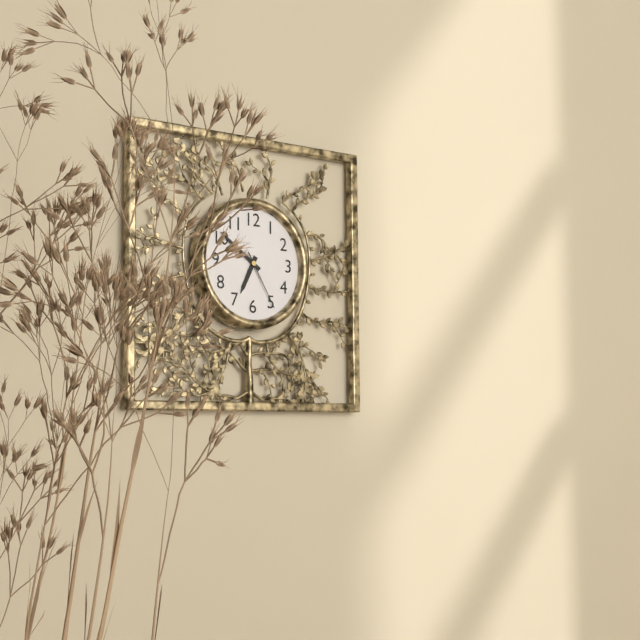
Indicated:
6 h 51 min 25 s
